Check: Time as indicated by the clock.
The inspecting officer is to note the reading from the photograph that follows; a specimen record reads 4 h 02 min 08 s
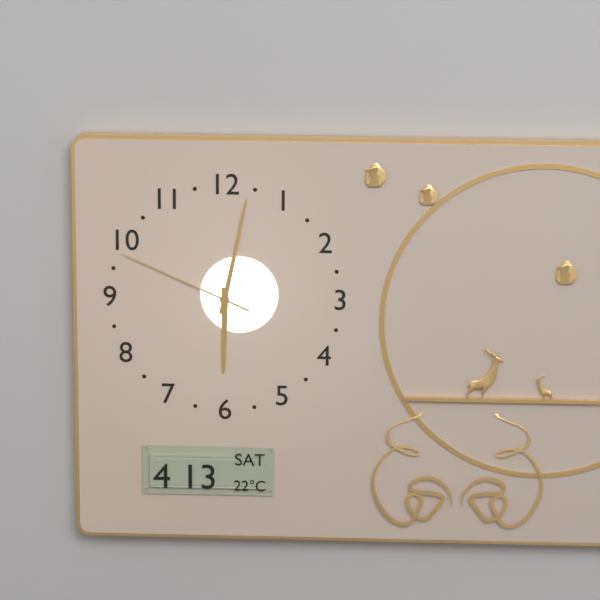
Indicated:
6 h 02 min 49 s
